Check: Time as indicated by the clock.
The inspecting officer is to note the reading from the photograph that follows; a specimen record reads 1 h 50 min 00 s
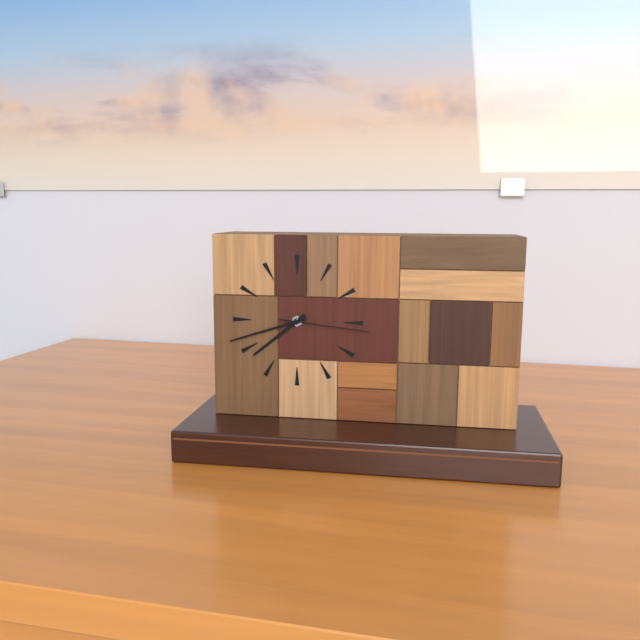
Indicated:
7 h 42 min 16 s
